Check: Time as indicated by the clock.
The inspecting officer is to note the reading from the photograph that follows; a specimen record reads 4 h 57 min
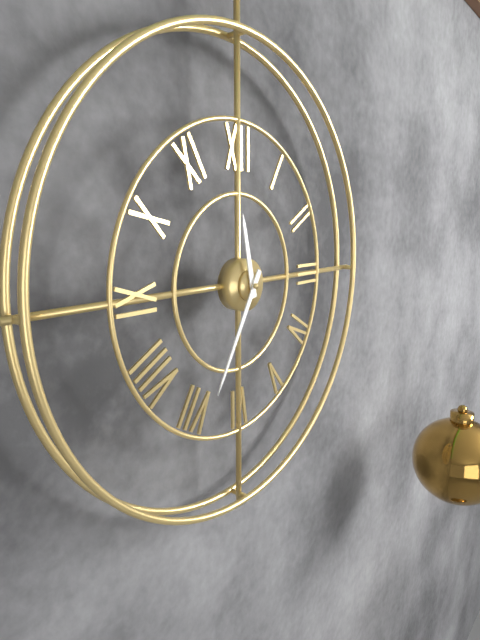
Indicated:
11 h 35 min
